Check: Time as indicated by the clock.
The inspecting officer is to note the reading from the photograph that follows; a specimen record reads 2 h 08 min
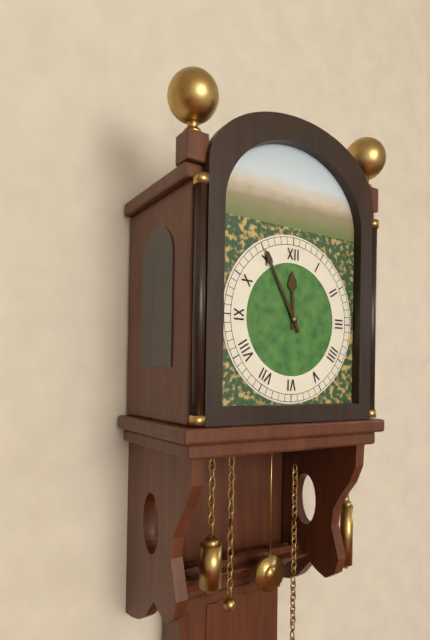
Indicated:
11 h 55 min
